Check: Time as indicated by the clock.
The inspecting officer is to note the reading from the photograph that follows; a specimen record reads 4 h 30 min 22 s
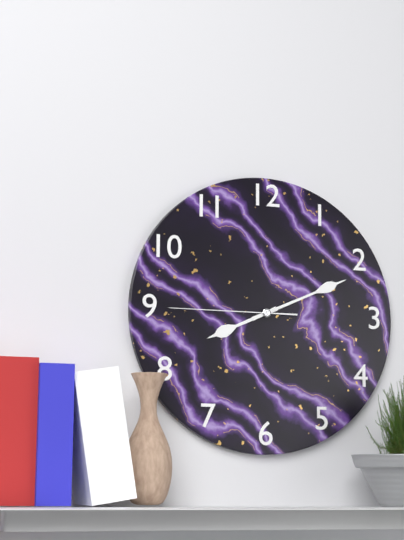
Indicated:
8 h 11 min 45 s
